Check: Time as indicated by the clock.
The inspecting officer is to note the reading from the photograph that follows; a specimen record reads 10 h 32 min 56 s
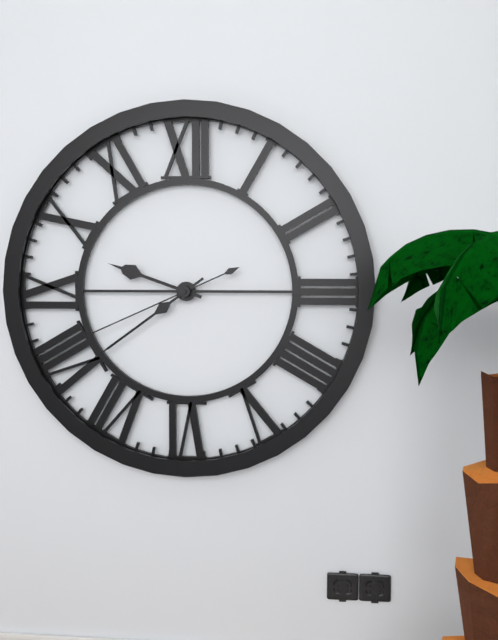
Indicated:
9 h 39 min 41 s
